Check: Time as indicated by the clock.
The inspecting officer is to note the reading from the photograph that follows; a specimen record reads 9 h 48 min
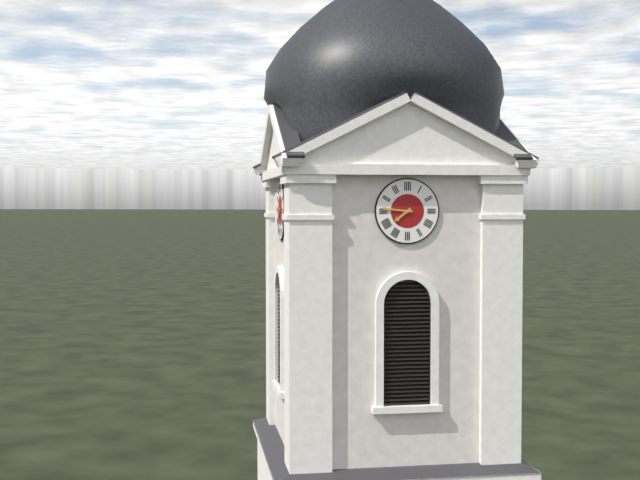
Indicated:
7 h 46 min
